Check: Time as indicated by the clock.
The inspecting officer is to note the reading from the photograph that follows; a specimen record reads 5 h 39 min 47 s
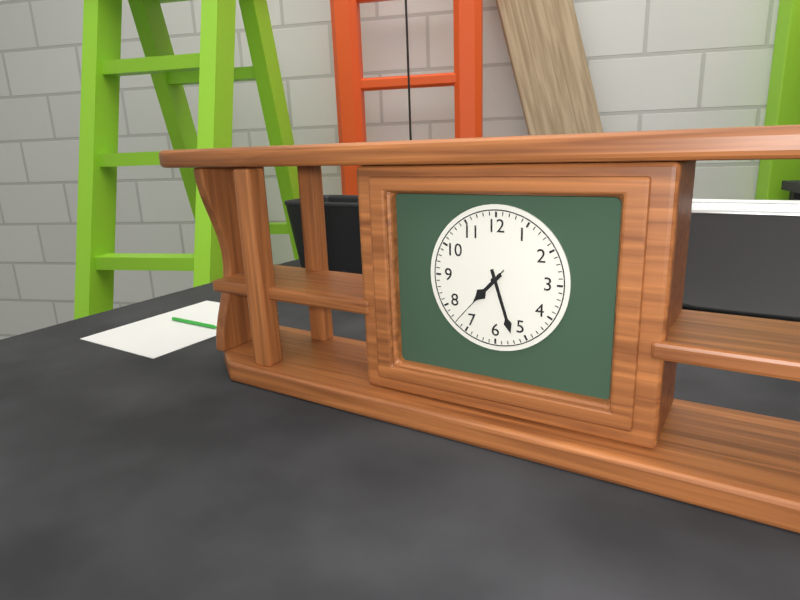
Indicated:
7 h 27 min 37 s
